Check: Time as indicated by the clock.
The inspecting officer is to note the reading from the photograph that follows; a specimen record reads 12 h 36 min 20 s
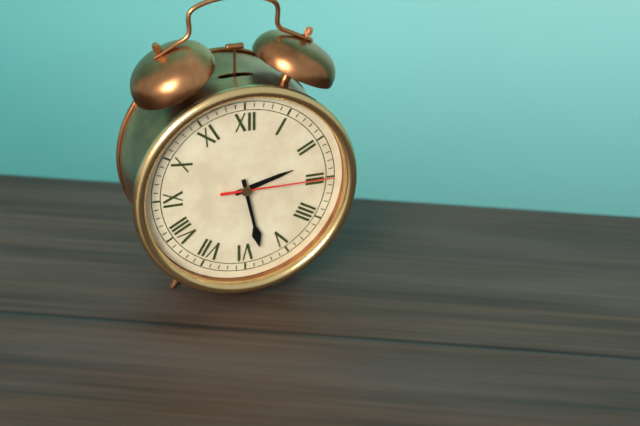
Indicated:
2 h 28 min 15 s
